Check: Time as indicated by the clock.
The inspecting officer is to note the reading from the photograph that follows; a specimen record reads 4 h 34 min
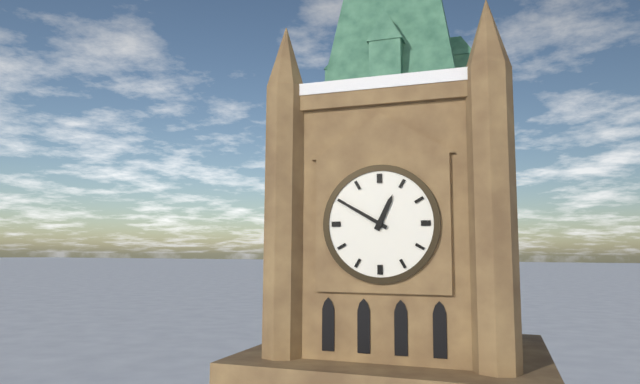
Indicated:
12 h 50 min
